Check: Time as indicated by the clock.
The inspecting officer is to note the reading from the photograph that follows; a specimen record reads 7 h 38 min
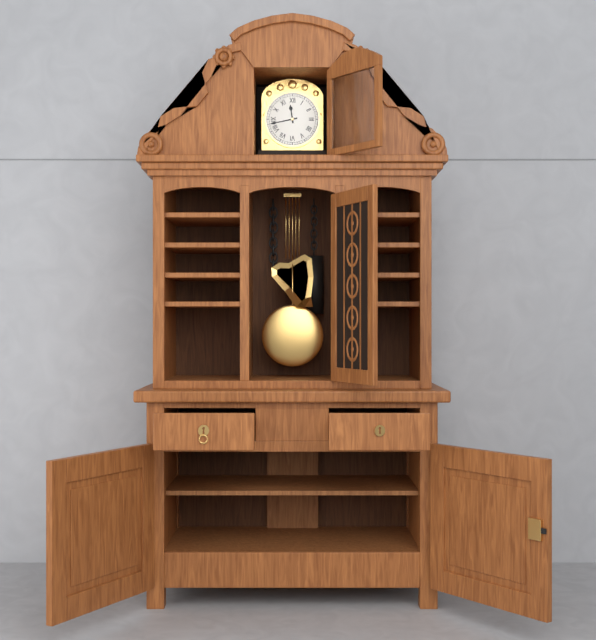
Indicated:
11 h 43 min
